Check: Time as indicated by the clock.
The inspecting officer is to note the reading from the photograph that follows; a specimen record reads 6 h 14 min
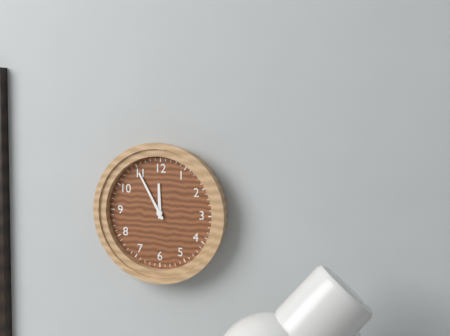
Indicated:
11 h 55 min
